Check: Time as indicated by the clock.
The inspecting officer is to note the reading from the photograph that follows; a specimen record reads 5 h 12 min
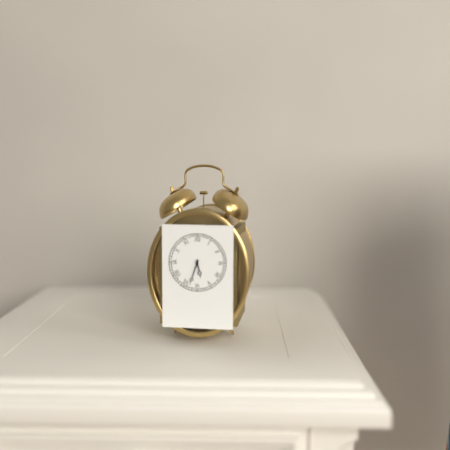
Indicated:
5 h 33 min
